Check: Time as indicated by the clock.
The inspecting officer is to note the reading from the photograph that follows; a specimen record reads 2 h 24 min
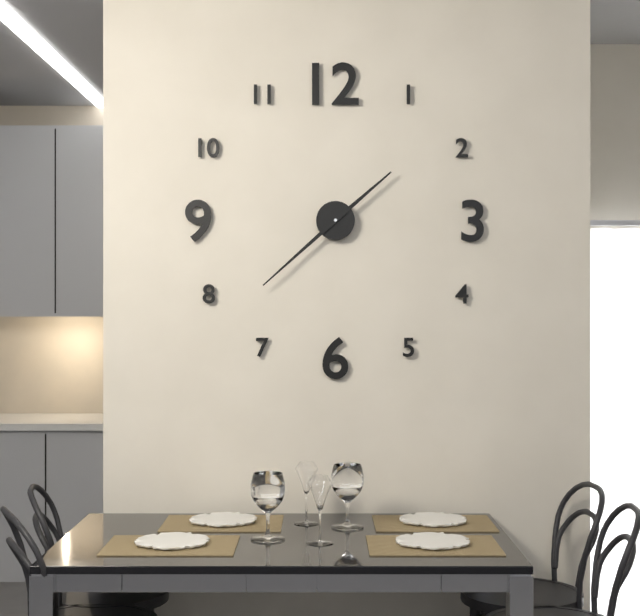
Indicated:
1 h 38 min
